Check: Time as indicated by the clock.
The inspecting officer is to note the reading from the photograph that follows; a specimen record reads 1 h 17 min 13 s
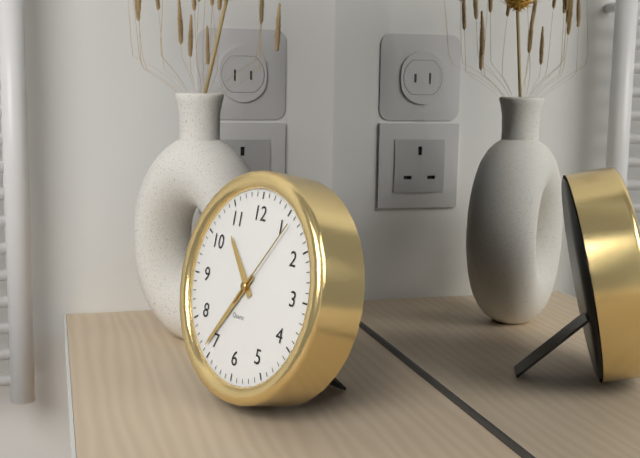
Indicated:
10 h 36 min 06 s
